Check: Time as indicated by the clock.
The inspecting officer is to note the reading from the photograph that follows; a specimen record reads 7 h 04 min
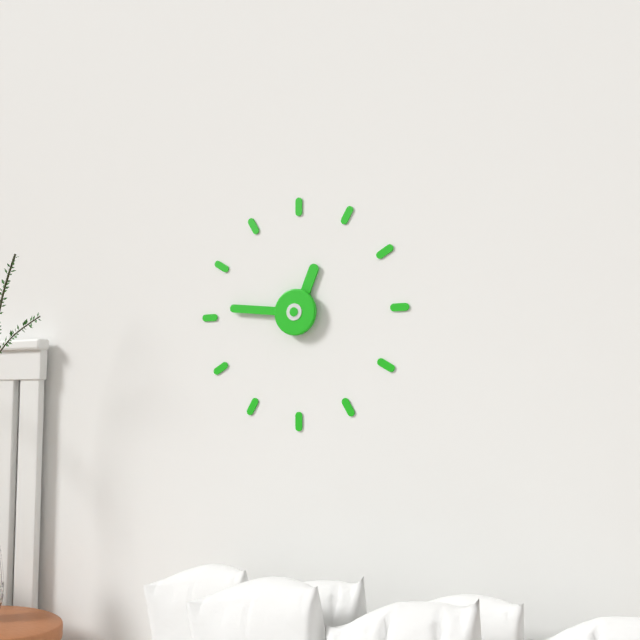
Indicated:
12 h 46 min
